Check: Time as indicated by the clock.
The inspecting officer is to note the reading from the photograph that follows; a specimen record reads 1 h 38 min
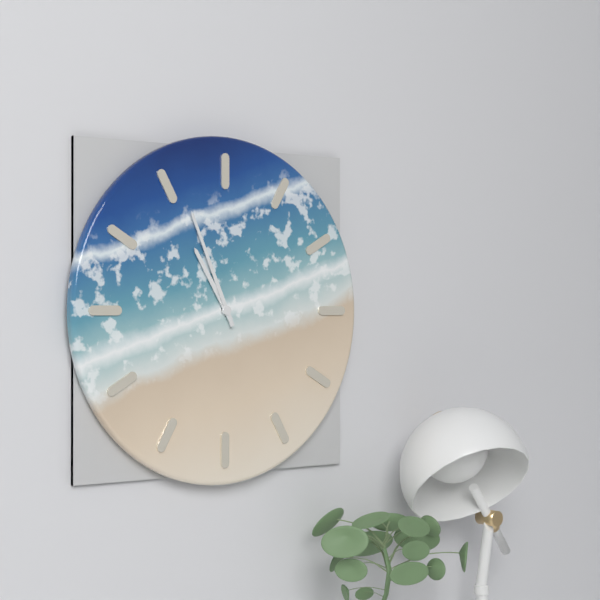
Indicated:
10 h 56 min
